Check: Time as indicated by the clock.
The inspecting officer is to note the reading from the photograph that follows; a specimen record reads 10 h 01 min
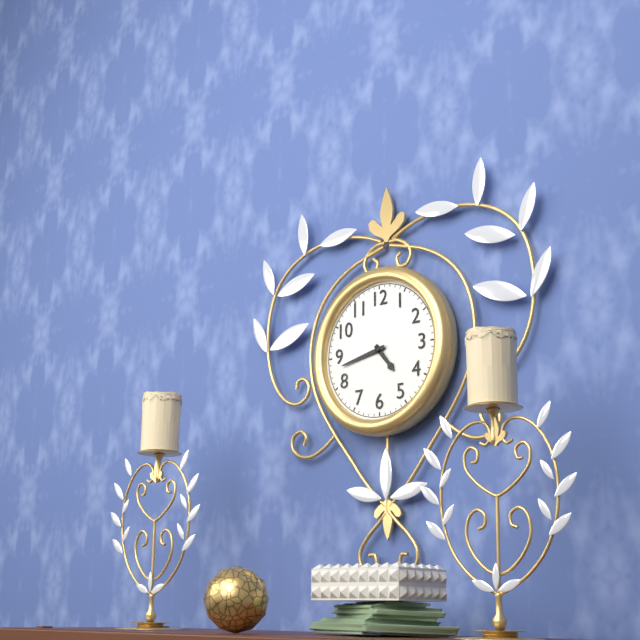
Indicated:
4 h 43 min
